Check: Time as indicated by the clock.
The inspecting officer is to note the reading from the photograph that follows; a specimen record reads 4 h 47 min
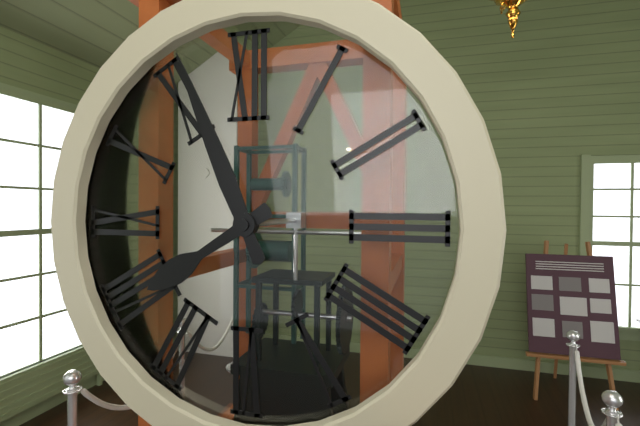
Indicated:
7 h 56 min
